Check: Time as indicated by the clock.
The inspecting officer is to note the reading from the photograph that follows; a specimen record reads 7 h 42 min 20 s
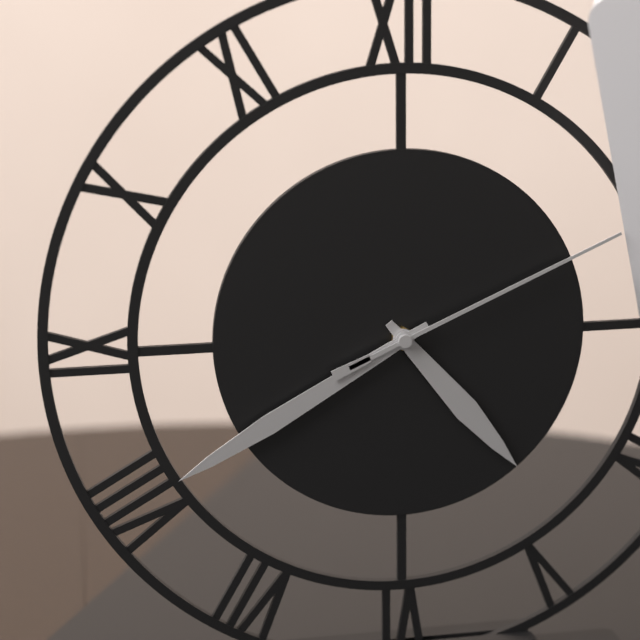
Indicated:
4 h 40 min 11 s
